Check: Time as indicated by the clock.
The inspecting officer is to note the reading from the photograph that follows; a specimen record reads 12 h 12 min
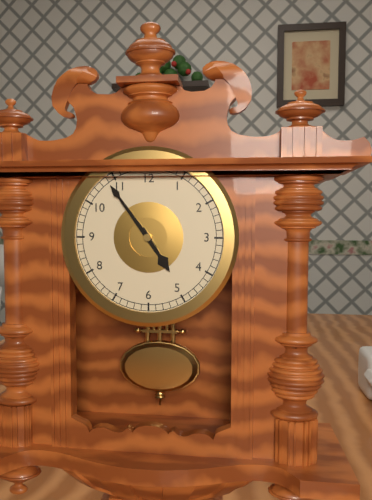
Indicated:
4 h 54 min
